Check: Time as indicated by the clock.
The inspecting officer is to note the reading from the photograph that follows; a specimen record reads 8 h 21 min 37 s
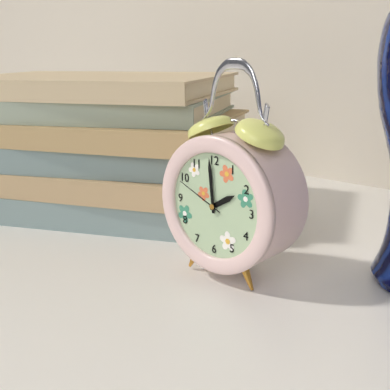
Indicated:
1 h 59 min 49 s
